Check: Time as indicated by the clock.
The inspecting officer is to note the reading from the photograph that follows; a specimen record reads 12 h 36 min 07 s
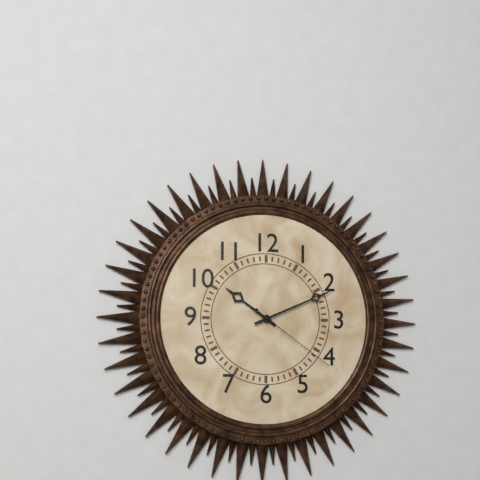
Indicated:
10 h 11 min 21 s
